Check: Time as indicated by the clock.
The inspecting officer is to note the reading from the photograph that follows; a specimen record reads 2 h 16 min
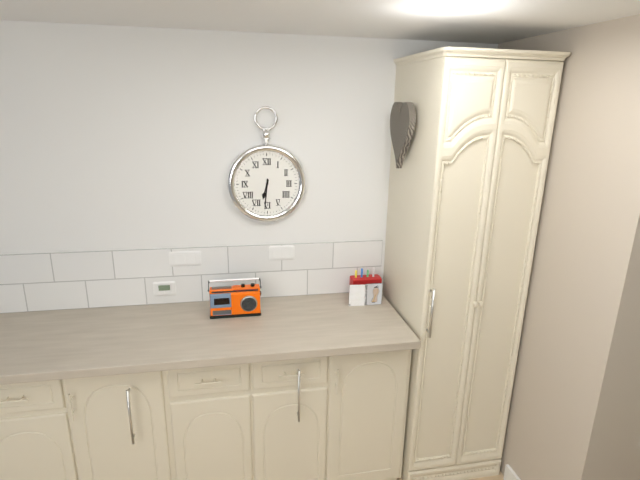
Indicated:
6 h 31 min
